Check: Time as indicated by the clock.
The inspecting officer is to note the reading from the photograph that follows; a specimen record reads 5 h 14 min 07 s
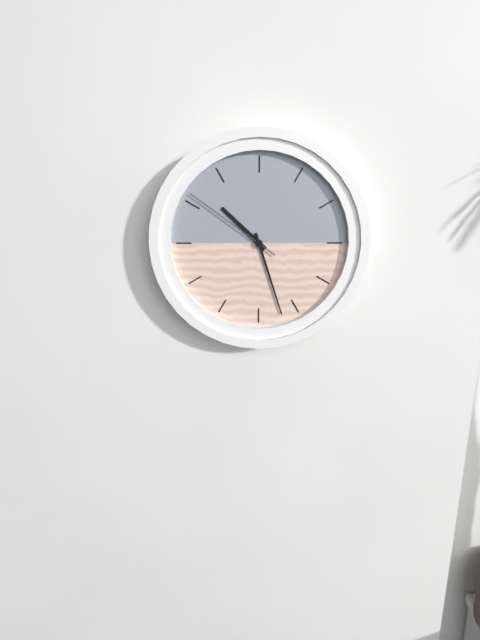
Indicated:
10 h 27 min 51 s
